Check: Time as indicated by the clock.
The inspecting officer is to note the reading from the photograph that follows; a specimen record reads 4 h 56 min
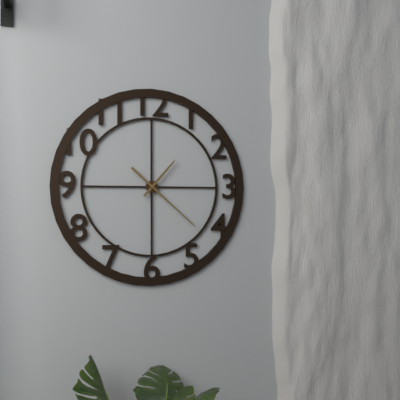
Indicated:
1 h 22 min
